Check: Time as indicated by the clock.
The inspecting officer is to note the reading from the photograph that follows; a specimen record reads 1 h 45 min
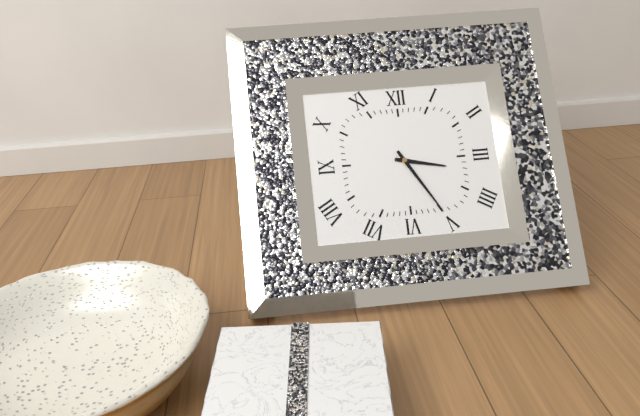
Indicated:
3 h 25 min
